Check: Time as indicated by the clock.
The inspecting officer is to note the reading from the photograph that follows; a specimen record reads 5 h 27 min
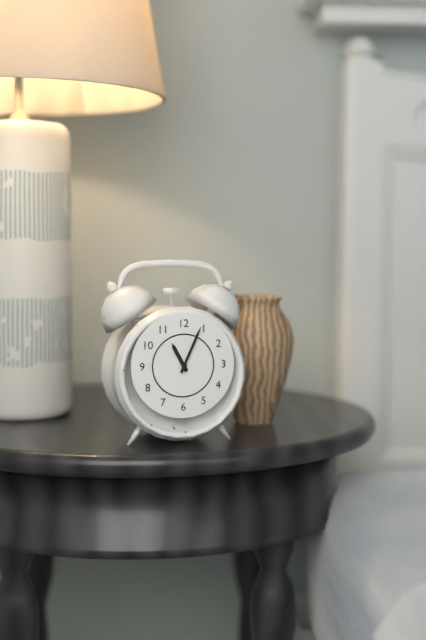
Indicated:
11 h 04 min
